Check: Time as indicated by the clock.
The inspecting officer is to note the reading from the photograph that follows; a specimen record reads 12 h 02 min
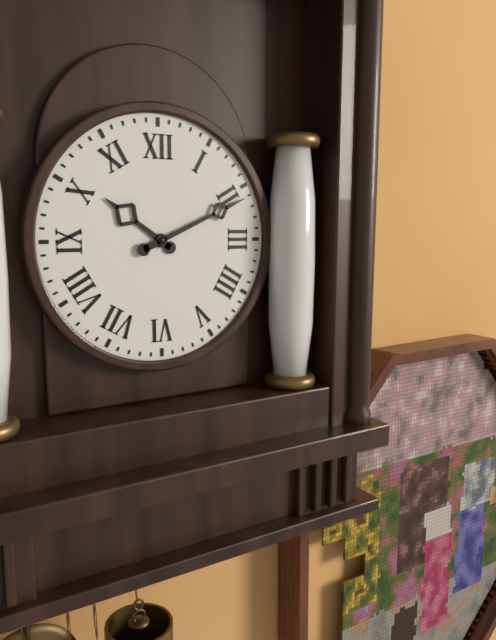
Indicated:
10 h 11 min
